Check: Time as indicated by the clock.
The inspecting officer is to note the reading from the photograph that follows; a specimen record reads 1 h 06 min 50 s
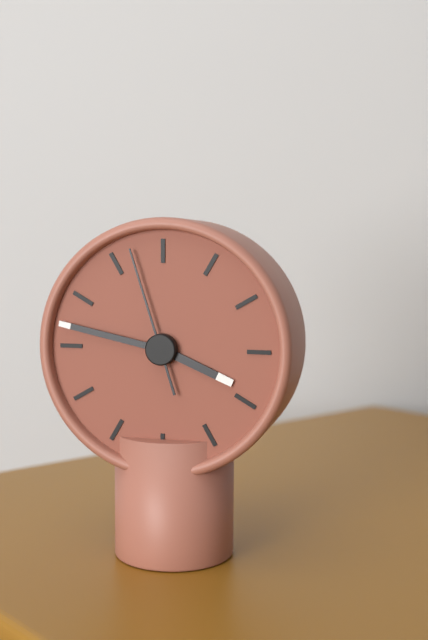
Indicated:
3 h 47 min 57 s
